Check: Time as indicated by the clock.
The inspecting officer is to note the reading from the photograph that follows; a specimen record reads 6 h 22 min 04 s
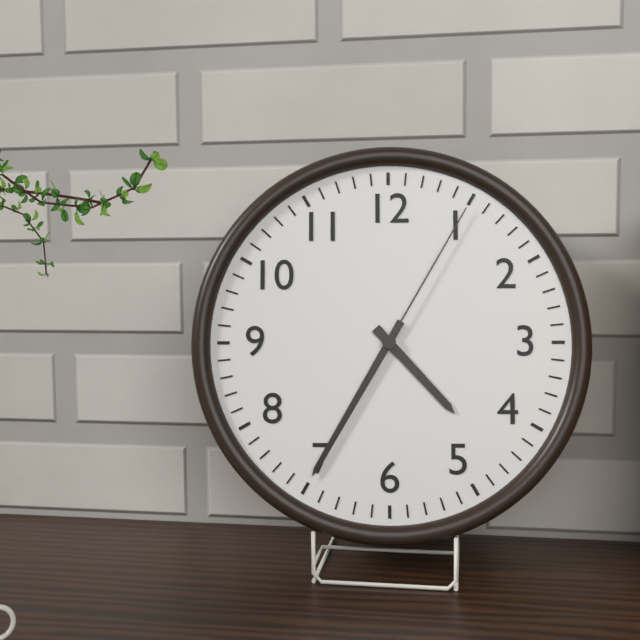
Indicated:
4 h 35 min 05 s
